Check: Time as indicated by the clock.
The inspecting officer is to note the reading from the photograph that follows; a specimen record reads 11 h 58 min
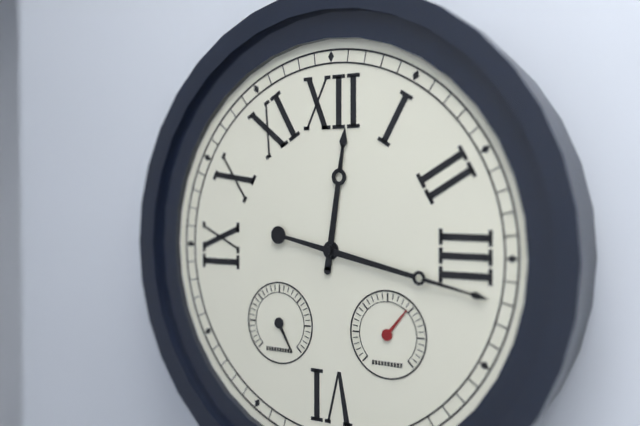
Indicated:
12 h 17 min
